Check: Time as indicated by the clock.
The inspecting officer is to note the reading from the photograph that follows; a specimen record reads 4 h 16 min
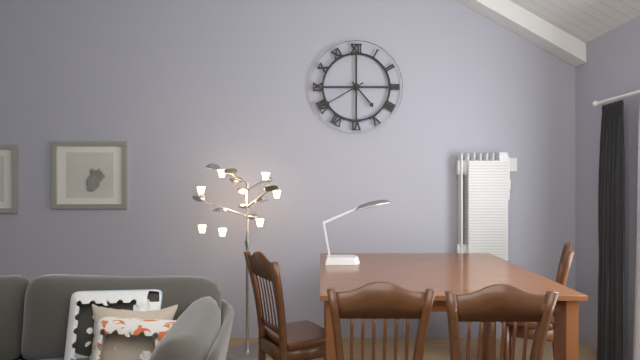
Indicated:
4 h 40 min
